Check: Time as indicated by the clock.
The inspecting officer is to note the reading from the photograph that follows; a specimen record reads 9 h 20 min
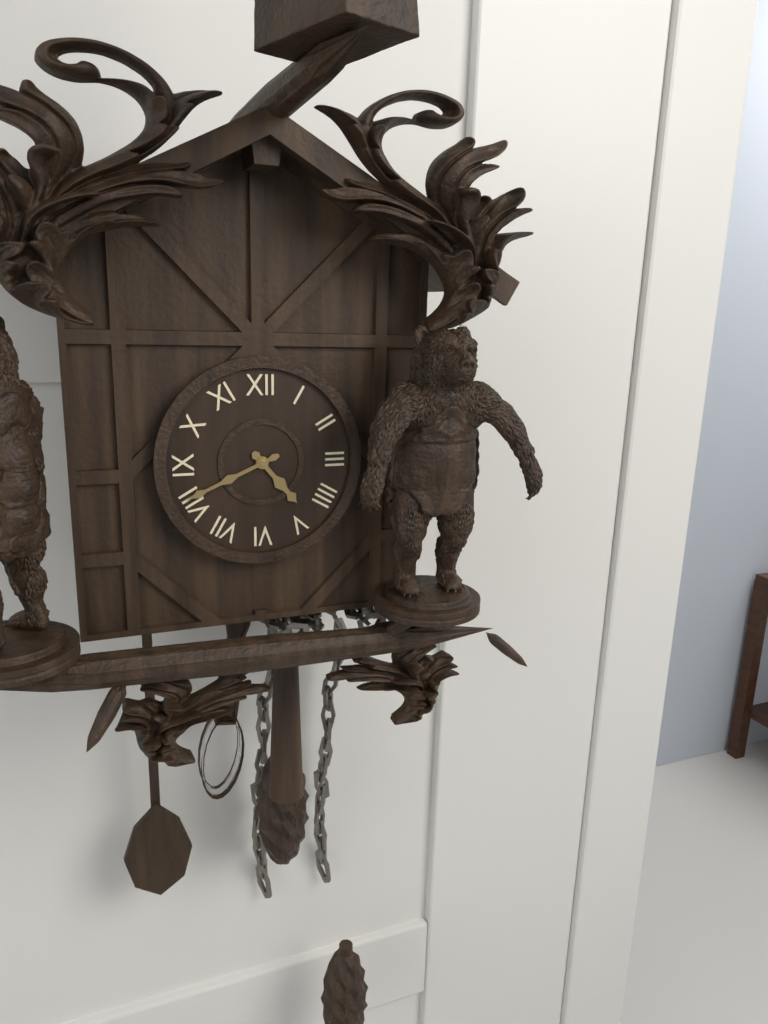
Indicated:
4 h 41 min
